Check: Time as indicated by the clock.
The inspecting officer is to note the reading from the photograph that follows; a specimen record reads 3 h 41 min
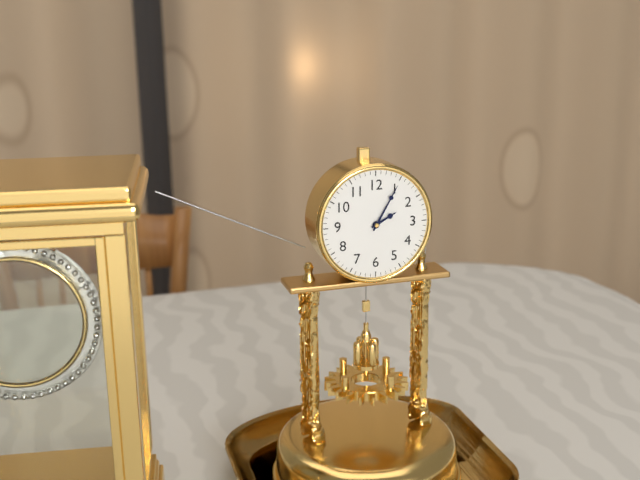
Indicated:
2 h 05 min
